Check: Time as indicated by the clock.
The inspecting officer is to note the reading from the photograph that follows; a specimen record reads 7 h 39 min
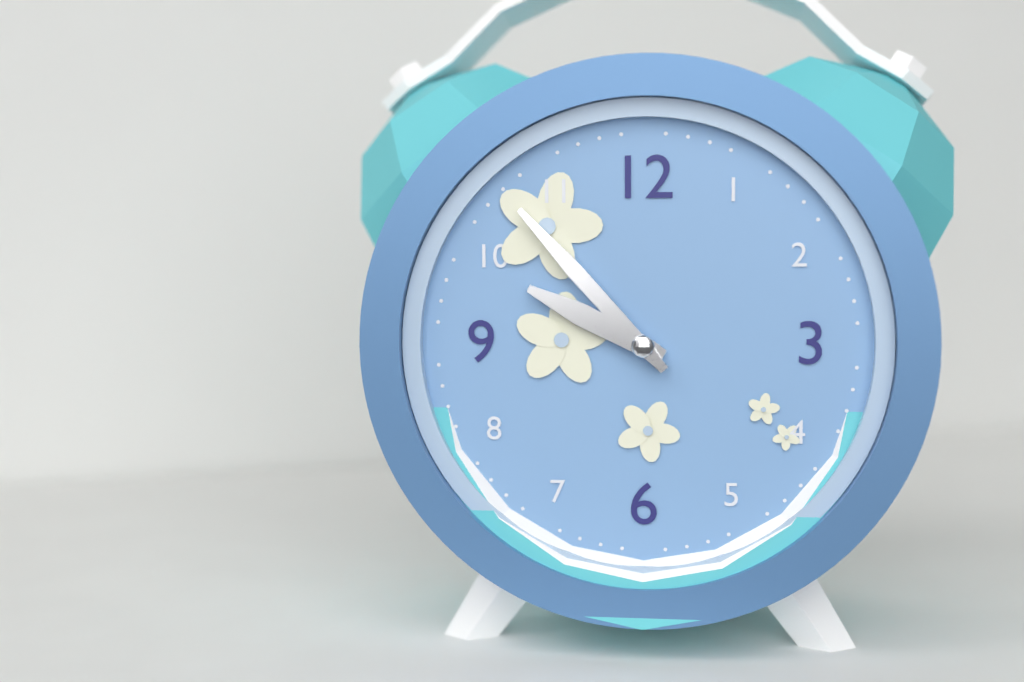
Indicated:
9 h 53 min
